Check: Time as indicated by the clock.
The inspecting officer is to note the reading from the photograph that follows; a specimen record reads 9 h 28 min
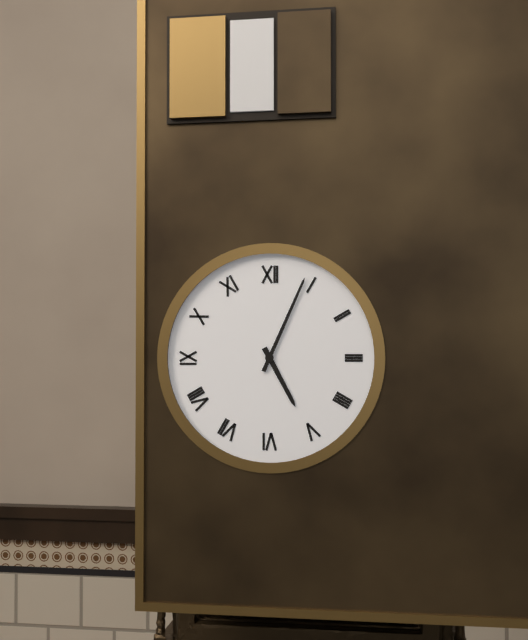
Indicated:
5 h 04 min
